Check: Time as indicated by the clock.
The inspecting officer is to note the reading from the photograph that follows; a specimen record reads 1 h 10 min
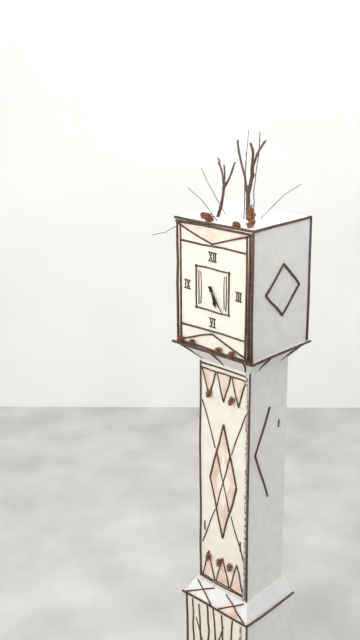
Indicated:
5 h 24 min
